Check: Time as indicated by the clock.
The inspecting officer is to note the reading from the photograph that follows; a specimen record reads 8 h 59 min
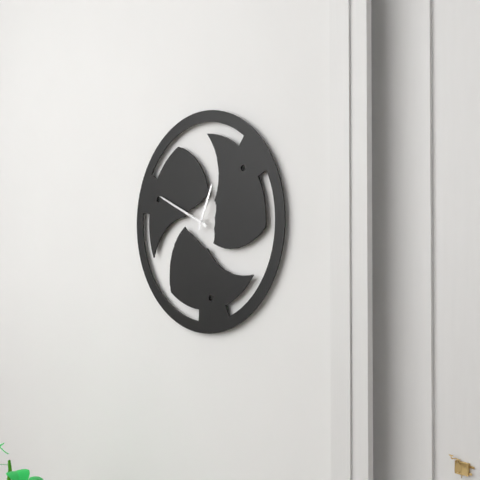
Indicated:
12 h 49 min
